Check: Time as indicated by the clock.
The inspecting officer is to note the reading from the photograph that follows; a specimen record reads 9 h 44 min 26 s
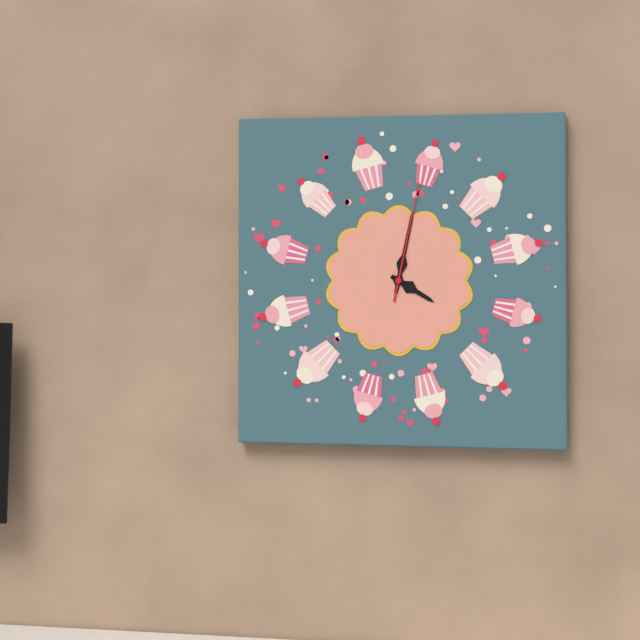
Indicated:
4 h 02 min 02 s
